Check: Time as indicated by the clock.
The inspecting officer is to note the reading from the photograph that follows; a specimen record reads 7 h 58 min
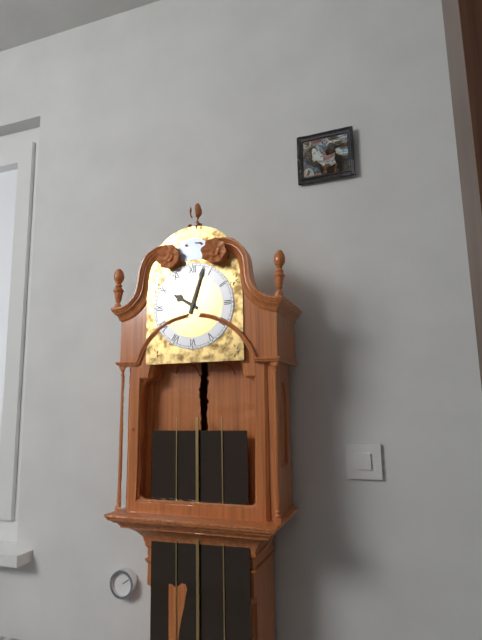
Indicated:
10 h 03 min
